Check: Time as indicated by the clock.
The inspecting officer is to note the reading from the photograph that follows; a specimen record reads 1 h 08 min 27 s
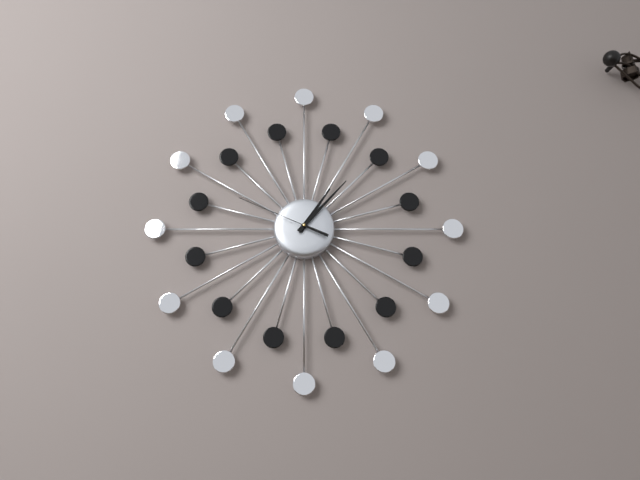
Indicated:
1 h 07 min 49 s
